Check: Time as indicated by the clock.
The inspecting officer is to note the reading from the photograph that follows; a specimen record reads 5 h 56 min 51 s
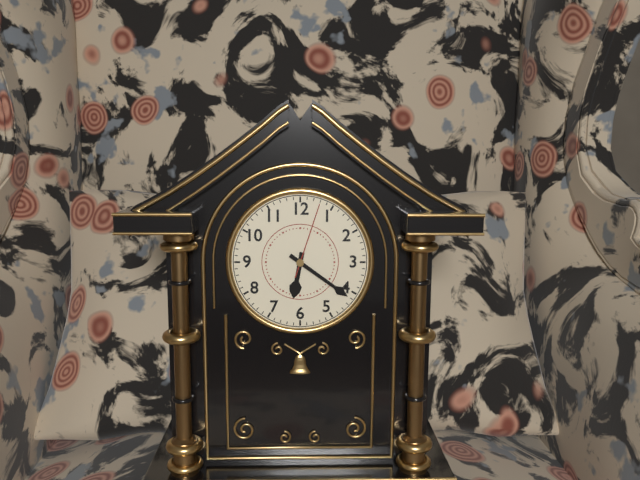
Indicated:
6 h 21 min 03 s
